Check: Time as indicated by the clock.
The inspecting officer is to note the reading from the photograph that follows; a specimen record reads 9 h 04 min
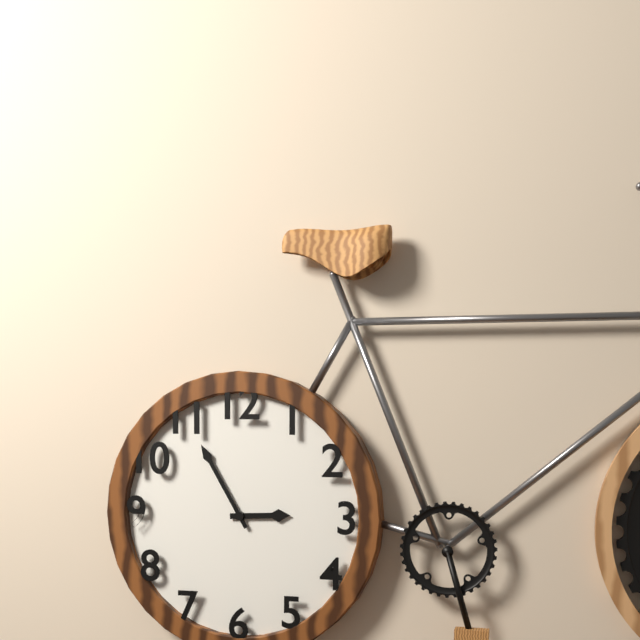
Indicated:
2 h 55 min
